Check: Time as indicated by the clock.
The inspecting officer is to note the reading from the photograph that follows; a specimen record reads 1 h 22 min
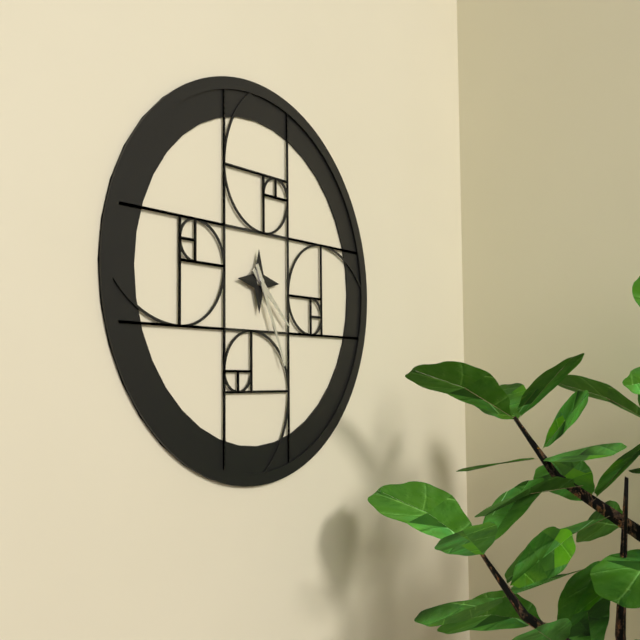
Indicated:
4 h 26 min
